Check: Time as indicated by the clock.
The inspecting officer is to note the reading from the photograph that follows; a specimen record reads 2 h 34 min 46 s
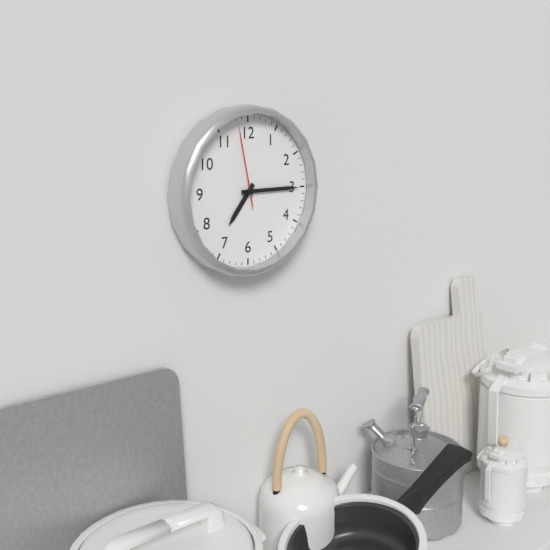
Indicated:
7 h 15 min 58 s
